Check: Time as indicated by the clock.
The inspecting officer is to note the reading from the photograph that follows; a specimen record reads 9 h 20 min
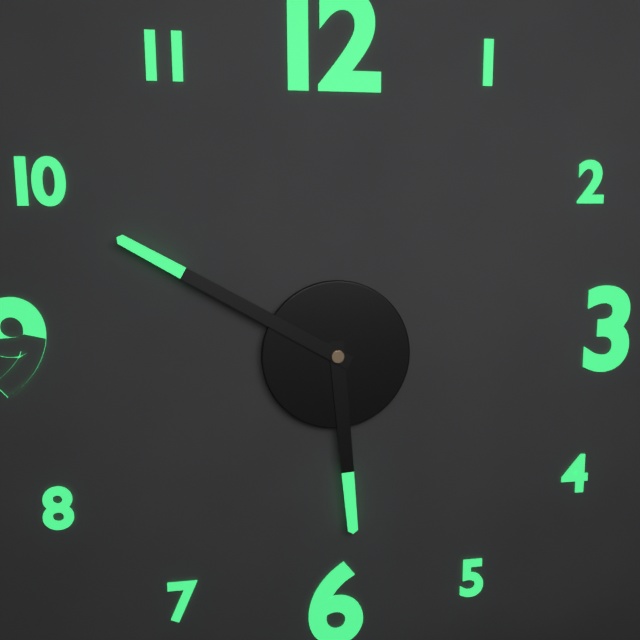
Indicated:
5 h 50 min
